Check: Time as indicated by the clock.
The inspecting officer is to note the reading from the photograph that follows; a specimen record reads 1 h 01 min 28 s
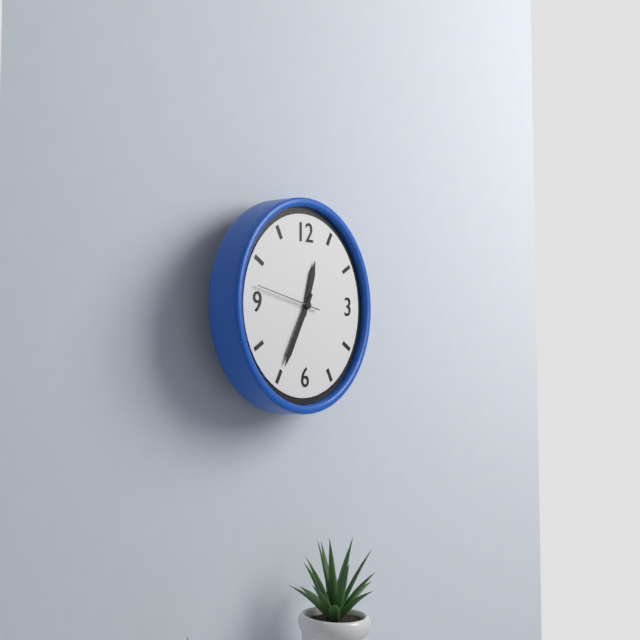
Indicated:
12 h 35 min 47 s
